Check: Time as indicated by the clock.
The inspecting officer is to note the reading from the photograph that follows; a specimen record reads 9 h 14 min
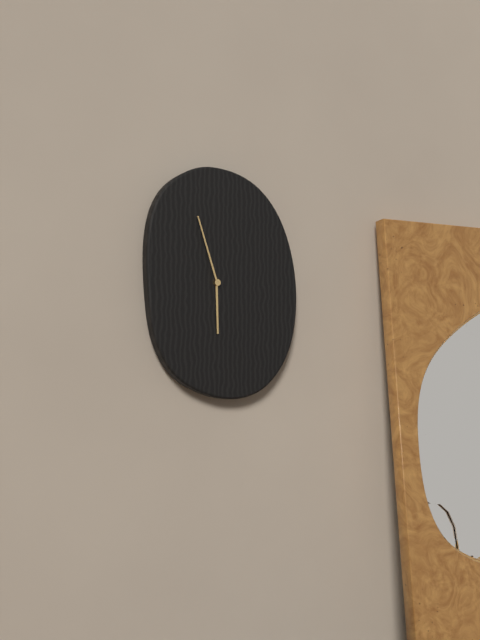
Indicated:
5 h 57 min
